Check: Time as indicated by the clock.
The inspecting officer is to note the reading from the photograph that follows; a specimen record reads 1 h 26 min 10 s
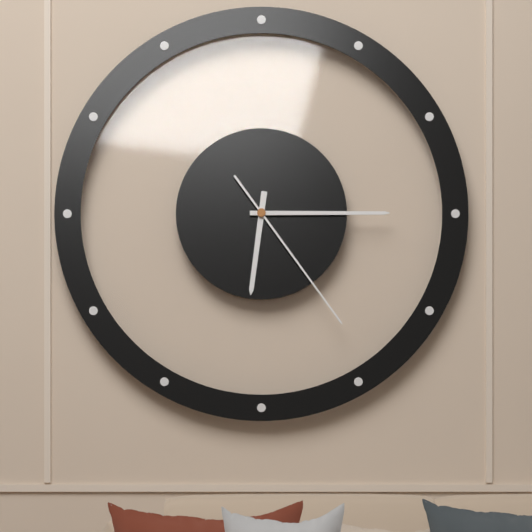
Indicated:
6 h 15 min 24 s
